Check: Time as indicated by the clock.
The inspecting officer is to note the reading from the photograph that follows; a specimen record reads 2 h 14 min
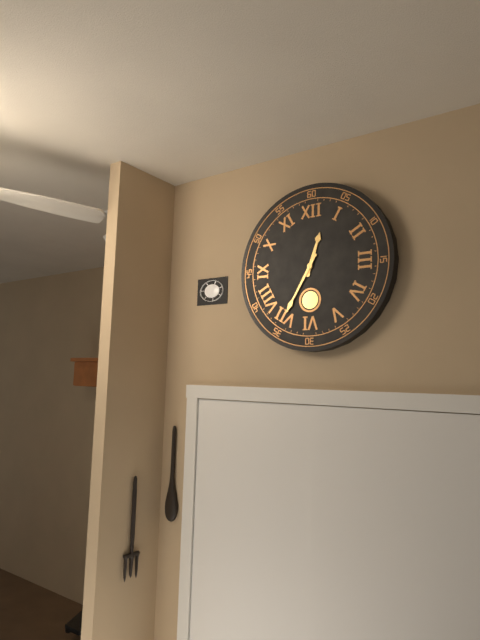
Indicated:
12 h 35 min
